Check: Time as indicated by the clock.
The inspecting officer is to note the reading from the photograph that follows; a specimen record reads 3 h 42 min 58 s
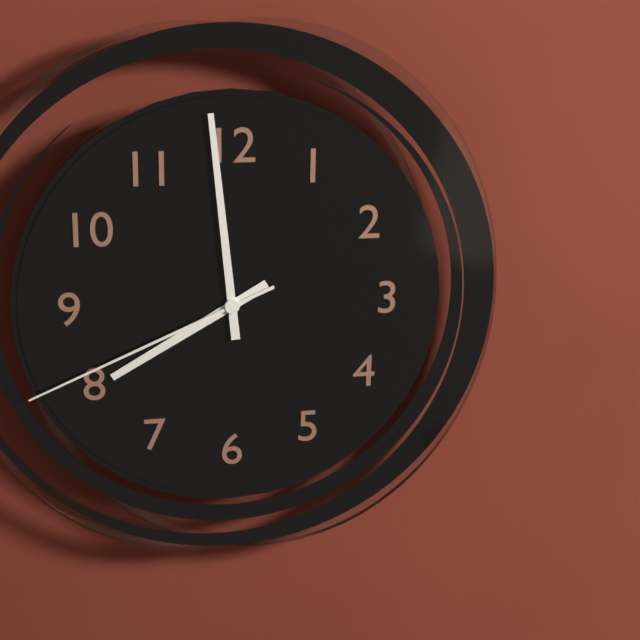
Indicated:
7 h 59 min 41 s
